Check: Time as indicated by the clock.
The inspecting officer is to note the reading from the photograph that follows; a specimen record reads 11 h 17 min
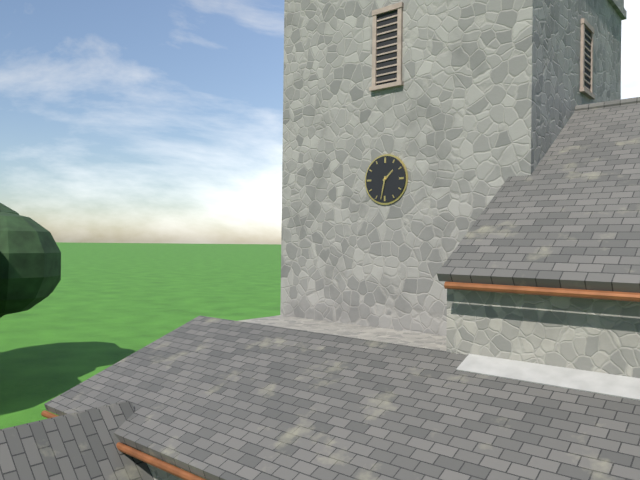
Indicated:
1 h 32 min
